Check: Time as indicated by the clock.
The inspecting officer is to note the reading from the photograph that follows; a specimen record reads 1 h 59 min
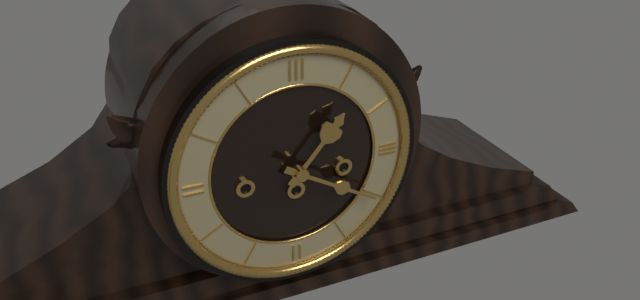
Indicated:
1 h 20 min
